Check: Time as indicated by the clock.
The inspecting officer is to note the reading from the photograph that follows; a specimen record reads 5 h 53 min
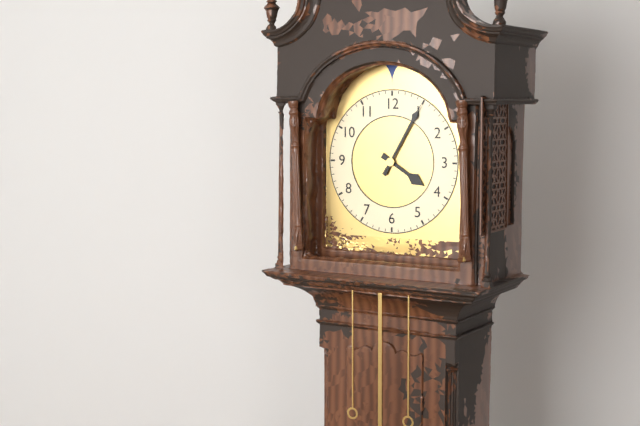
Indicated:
4 h 05 min
